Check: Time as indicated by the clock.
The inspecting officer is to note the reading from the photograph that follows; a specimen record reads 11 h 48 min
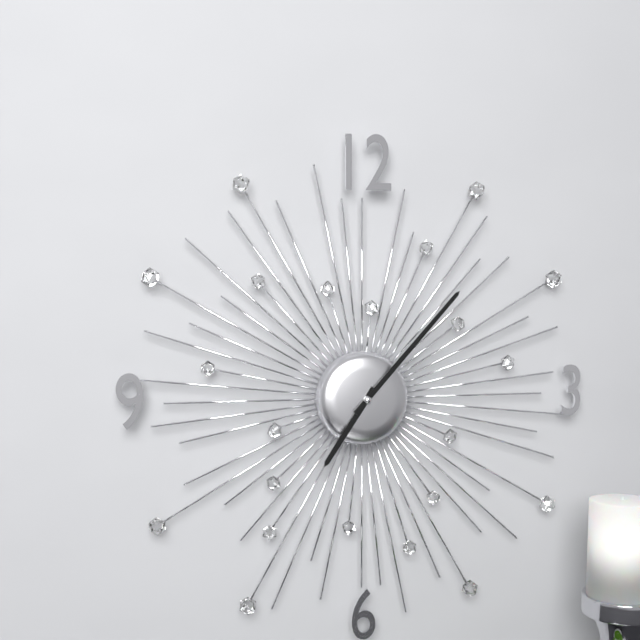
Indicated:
7 h 07 min
